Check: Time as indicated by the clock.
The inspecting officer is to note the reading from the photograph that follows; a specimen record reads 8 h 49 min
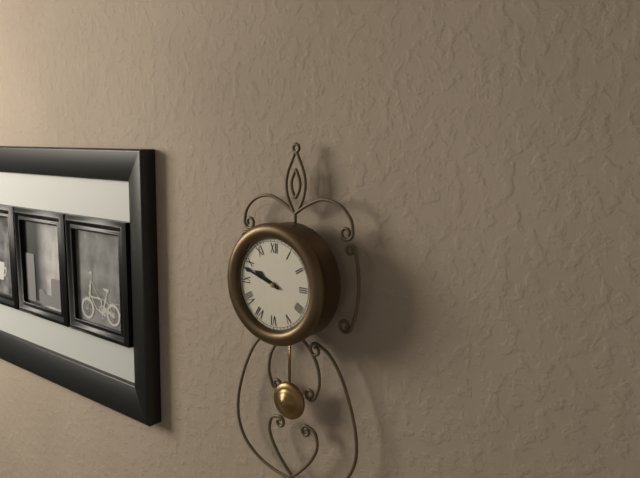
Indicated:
9 h 48 min
